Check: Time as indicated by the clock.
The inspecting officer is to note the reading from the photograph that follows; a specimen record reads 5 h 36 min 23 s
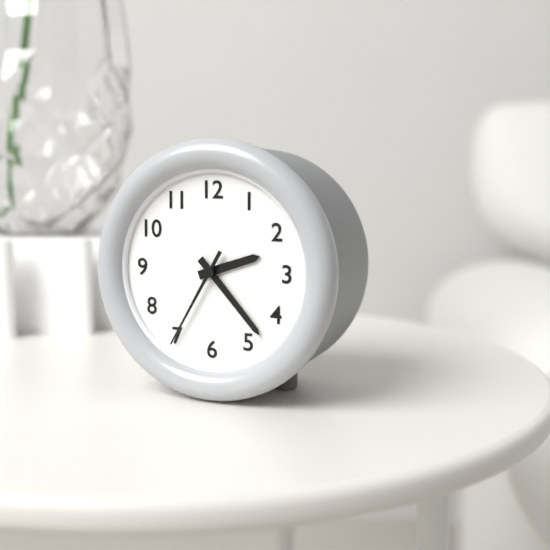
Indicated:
2 h 23 min 35 s
